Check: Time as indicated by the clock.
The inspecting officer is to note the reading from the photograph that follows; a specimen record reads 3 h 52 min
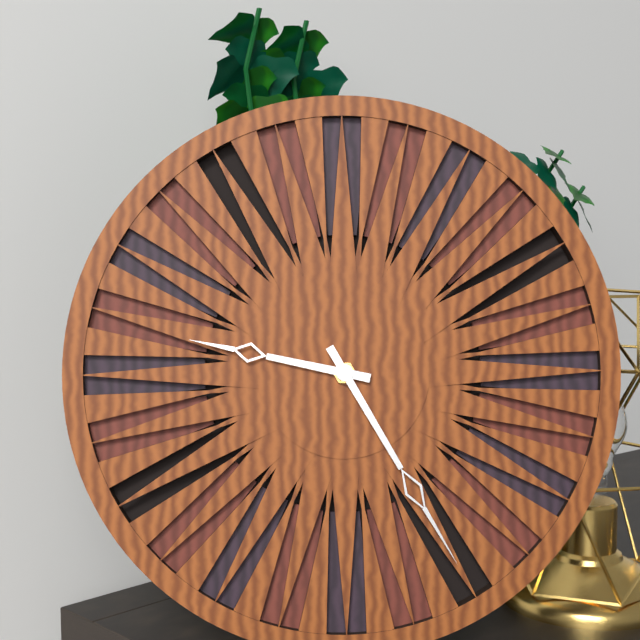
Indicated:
9 h 25 min
